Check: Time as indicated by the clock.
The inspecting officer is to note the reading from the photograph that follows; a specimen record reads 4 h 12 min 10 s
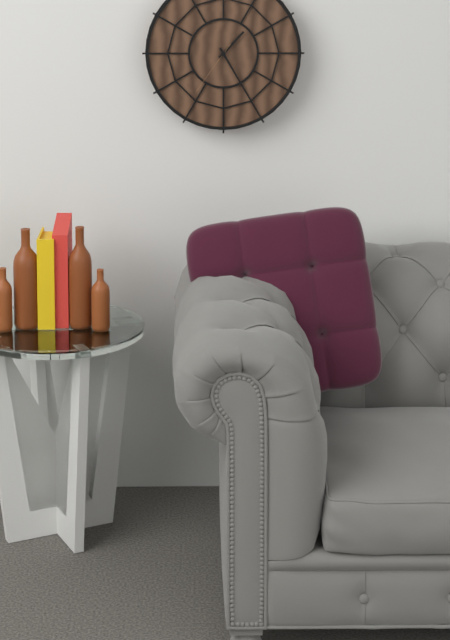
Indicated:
1 h 25 min 36 s
